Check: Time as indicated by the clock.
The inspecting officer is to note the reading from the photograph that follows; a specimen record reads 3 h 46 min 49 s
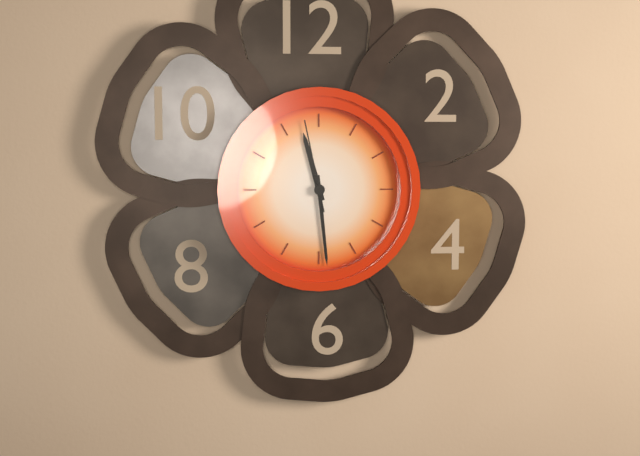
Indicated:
11 h 29 min 58 s
